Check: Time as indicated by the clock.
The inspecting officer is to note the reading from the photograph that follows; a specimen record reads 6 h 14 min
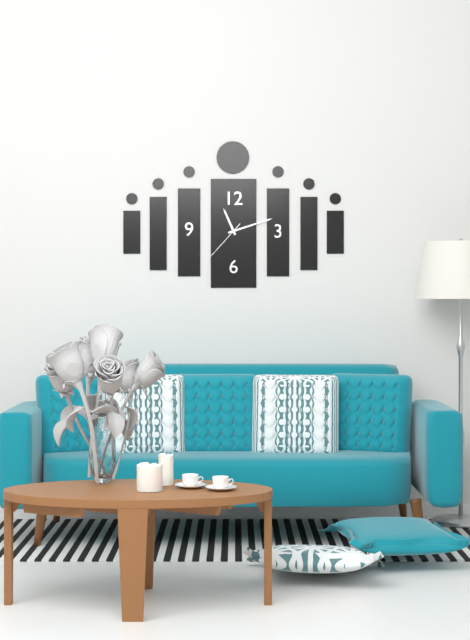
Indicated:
11 h 12 min
